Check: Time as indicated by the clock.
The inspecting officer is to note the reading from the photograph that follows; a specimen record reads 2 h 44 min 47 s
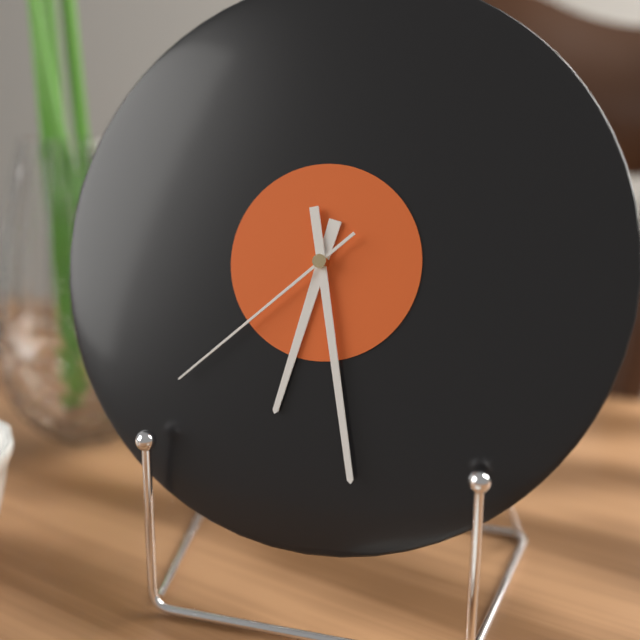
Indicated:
6 h 28 min 38 s
